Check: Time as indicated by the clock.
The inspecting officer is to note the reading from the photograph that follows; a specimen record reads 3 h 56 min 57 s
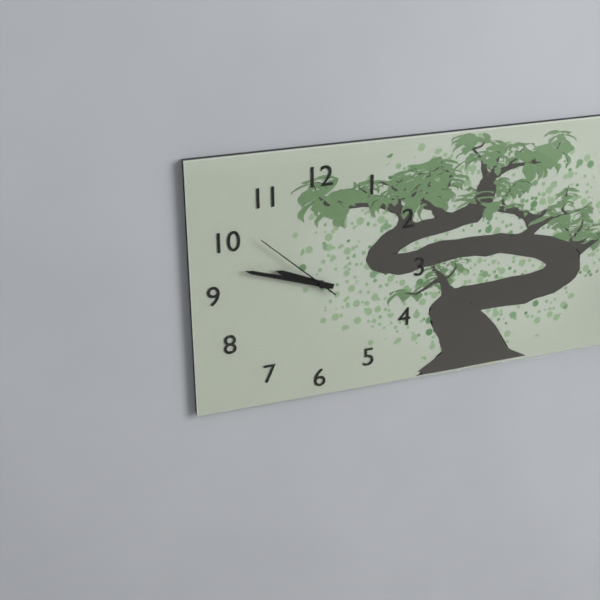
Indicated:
9 h 48 min 52 s
